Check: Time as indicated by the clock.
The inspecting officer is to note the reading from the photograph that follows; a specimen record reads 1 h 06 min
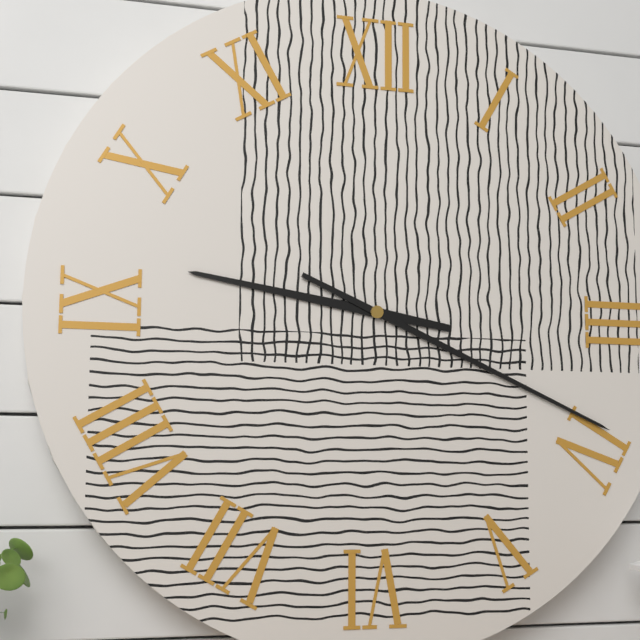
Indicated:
9 h 19 min
